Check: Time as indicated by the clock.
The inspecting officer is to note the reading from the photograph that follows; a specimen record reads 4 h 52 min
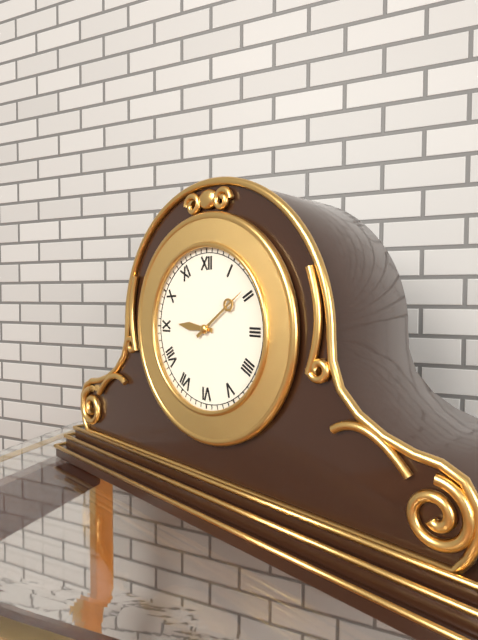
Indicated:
9 h 09 min
